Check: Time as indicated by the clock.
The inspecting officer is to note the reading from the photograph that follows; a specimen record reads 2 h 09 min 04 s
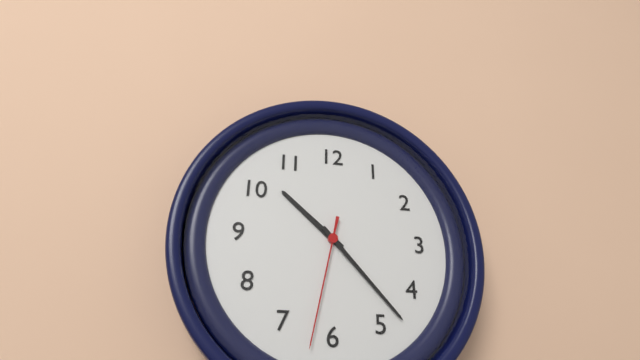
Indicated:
10 h 23 min 32 s
